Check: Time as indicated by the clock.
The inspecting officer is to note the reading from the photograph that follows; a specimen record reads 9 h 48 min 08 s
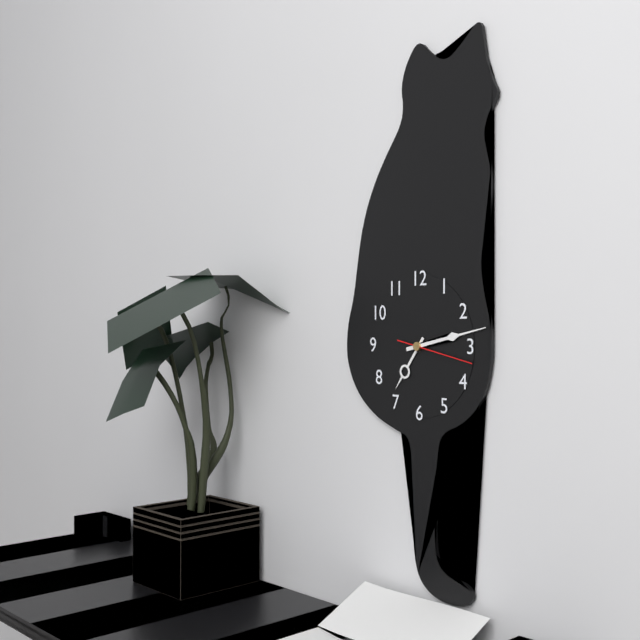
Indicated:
7 h 13 min 17 s
